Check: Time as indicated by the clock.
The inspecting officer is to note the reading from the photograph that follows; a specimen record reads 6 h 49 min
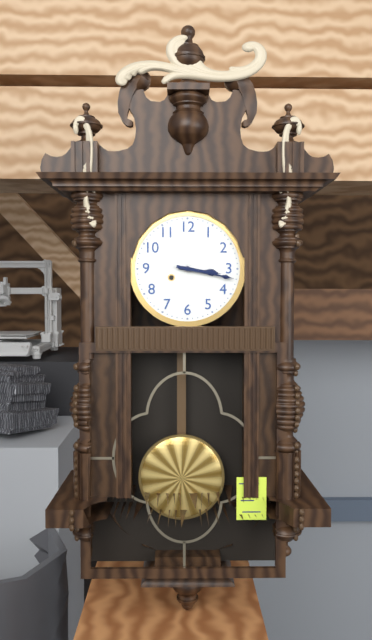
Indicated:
3 h 17 min
